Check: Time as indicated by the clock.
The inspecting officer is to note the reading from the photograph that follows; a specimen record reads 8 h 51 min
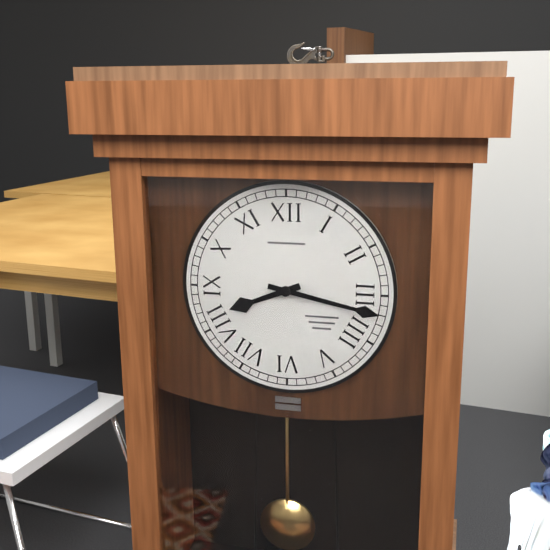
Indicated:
8 h 17 min
